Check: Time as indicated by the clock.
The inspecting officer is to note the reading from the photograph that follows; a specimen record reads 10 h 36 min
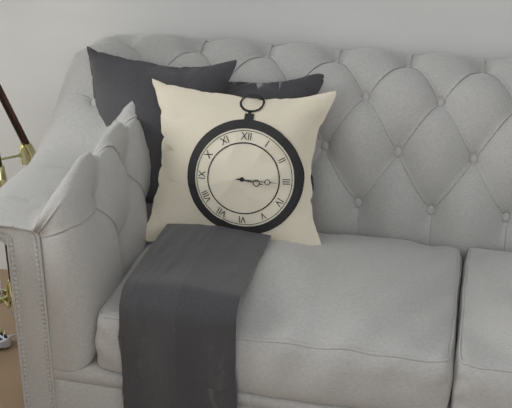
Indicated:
3 h 15 min
